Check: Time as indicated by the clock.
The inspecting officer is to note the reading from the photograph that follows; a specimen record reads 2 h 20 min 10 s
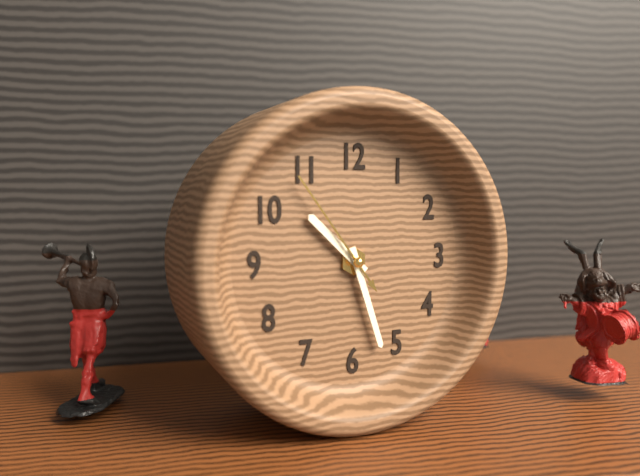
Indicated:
10 h 27 min 54 s
